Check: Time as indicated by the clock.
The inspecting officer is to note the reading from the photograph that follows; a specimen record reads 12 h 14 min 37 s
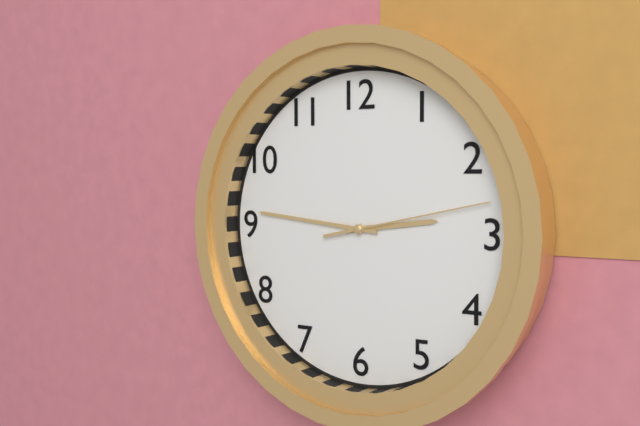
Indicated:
2 h 46 min 13 s
